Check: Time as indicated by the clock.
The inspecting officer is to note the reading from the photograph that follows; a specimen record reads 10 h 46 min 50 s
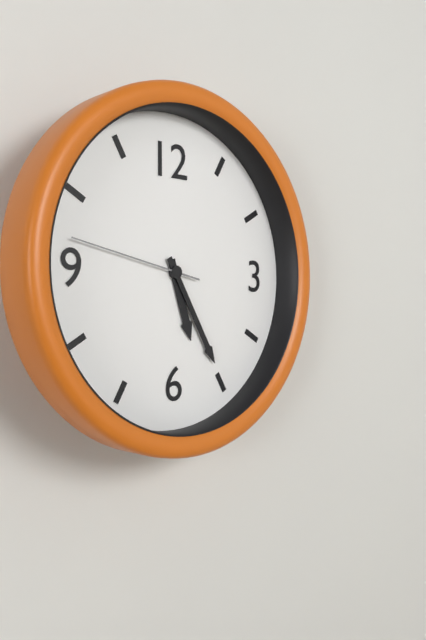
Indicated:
5 h 25 min 47 s
